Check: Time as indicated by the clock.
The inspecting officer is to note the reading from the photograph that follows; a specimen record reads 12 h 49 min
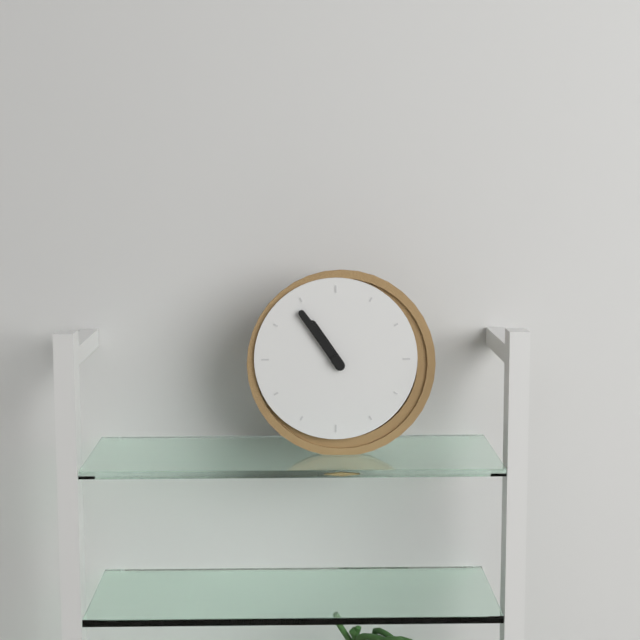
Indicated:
10 h 54 min
